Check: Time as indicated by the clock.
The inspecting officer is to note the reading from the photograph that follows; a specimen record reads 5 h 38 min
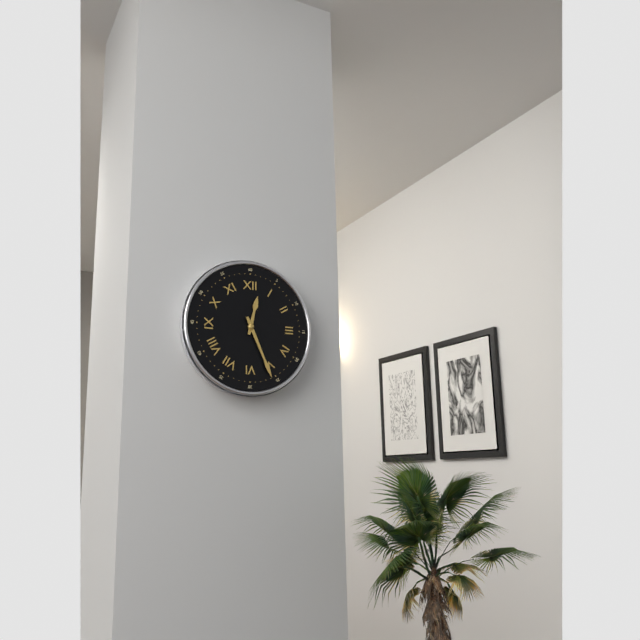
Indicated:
12 h 26 min
